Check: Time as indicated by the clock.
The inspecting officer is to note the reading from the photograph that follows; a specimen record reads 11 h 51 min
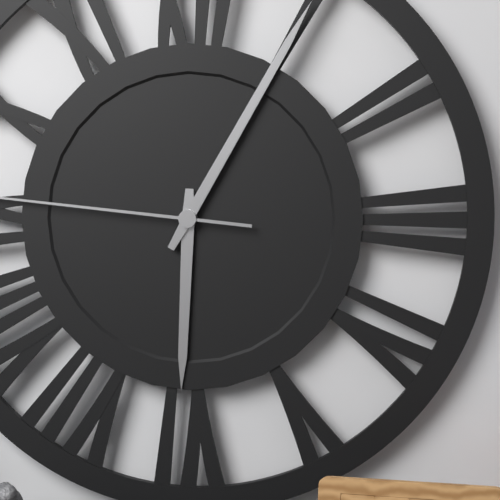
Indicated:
6 h 05 min
